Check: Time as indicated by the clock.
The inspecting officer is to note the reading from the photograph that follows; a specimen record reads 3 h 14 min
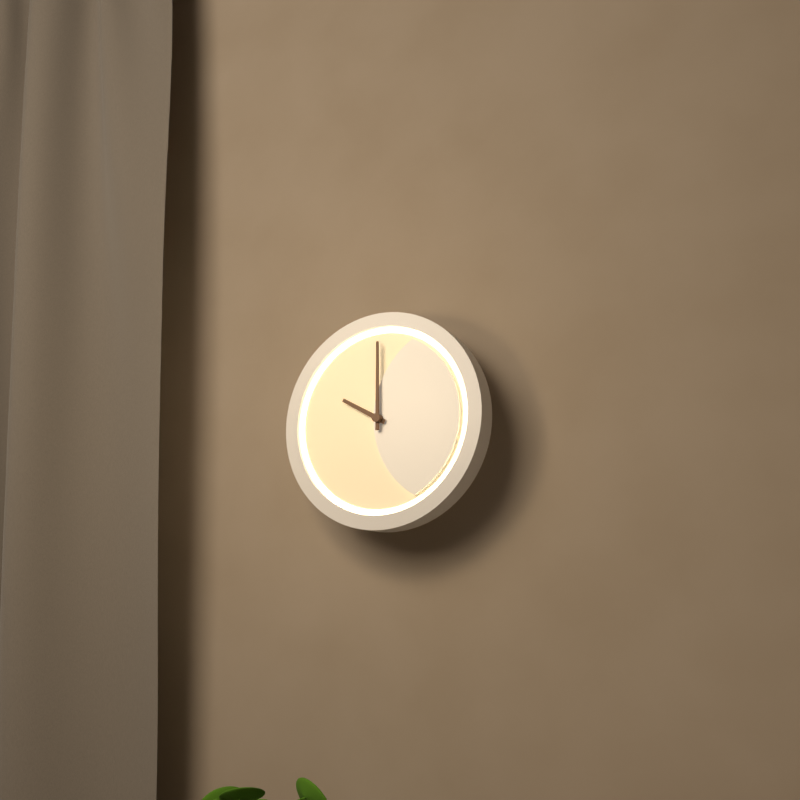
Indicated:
10 h 00 min
